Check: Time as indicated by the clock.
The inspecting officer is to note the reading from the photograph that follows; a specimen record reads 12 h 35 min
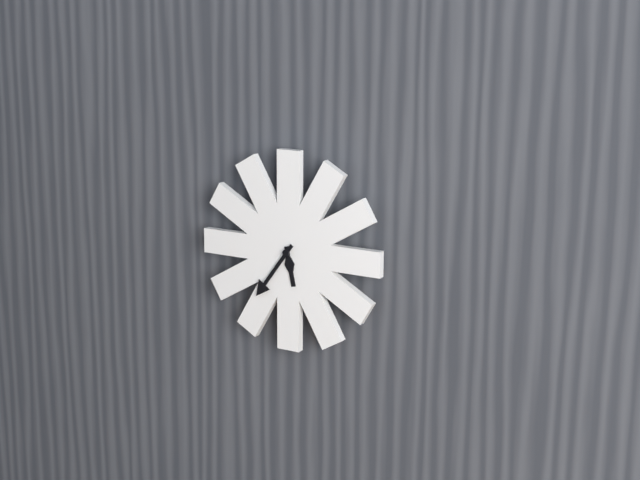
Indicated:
5 h 36 min
